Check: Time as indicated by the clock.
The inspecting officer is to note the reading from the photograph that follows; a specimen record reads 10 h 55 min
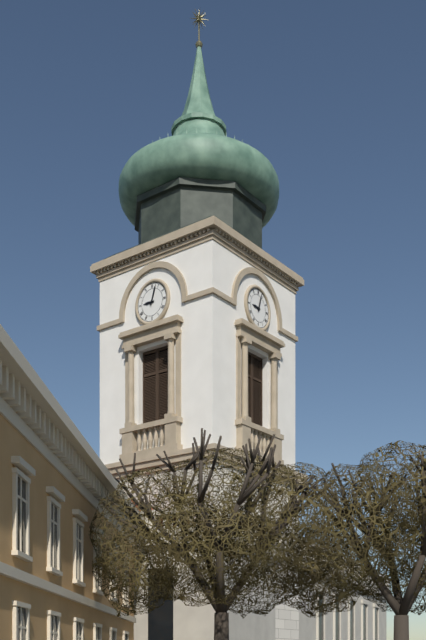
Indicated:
9 h 03 min
